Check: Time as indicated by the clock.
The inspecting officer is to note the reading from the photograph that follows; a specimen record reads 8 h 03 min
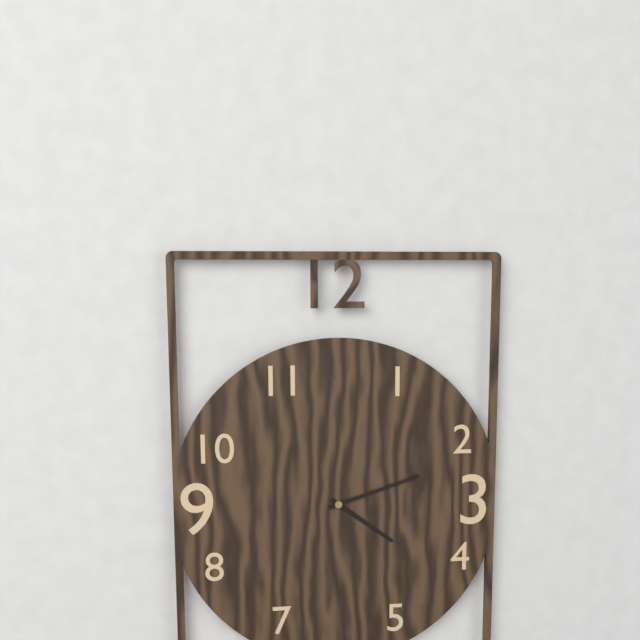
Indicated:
4 h 12 min
